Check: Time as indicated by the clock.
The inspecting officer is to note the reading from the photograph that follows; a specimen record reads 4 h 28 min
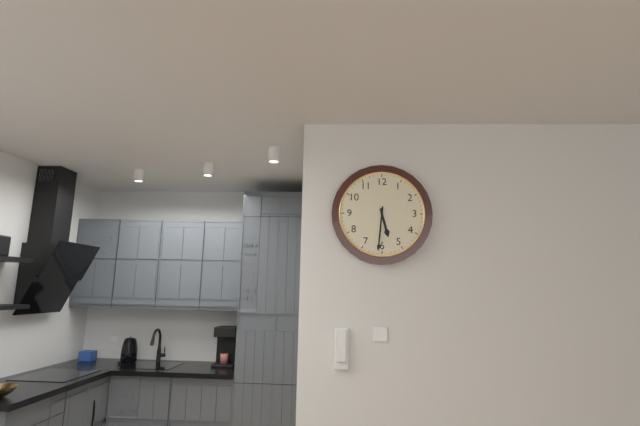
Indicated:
5 h 31 min
